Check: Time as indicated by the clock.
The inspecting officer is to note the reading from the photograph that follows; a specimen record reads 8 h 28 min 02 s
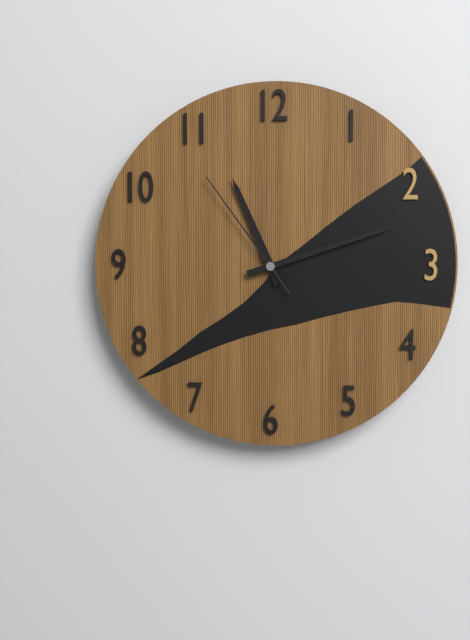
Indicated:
11 h 12 min 54 s
